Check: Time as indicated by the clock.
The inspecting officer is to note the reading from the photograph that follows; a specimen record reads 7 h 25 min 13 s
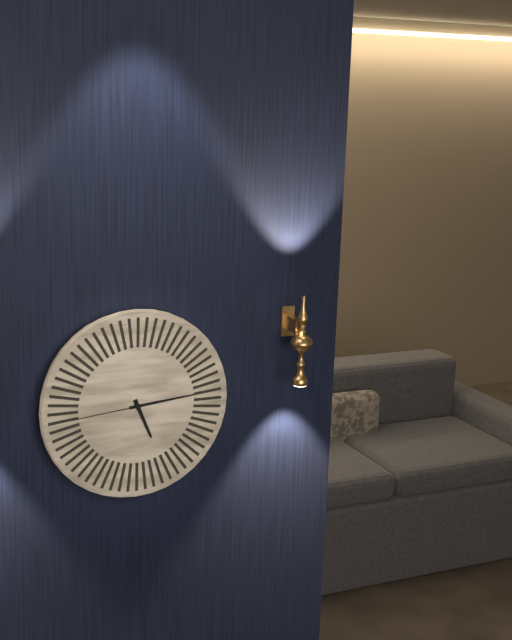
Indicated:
5 h 14 min 44 s
